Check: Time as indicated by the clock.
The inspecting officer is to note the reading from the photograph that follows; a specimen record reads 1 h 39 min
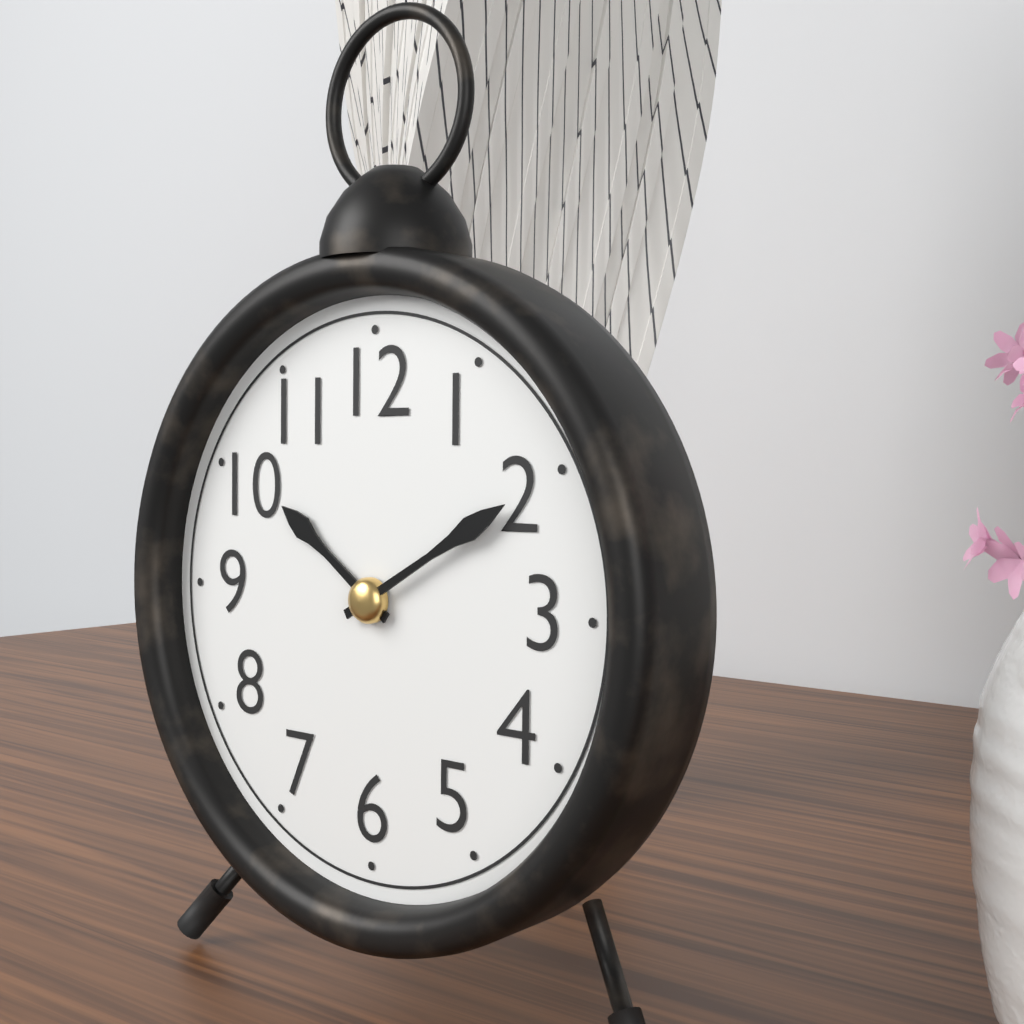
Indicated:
10 h 10 min
